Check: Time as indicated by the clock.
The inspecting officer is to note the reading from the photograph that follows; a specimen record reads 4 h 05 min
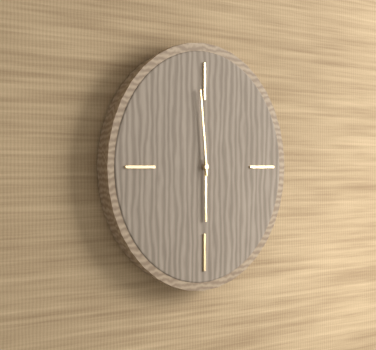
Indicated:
5 h 59 min
